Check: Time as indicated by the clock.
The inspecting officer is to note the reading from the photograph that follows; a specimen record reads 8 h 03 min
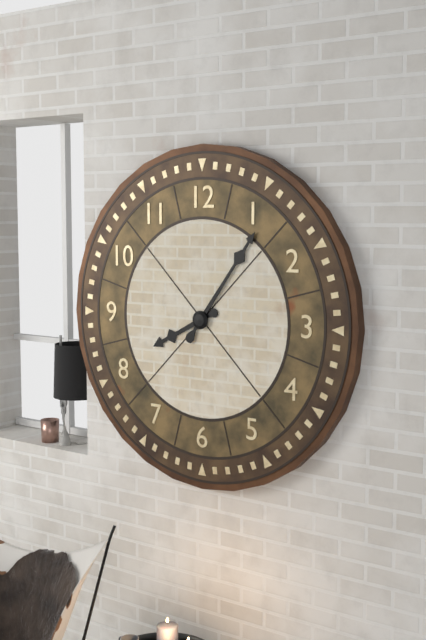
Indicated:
8 h 06 min
